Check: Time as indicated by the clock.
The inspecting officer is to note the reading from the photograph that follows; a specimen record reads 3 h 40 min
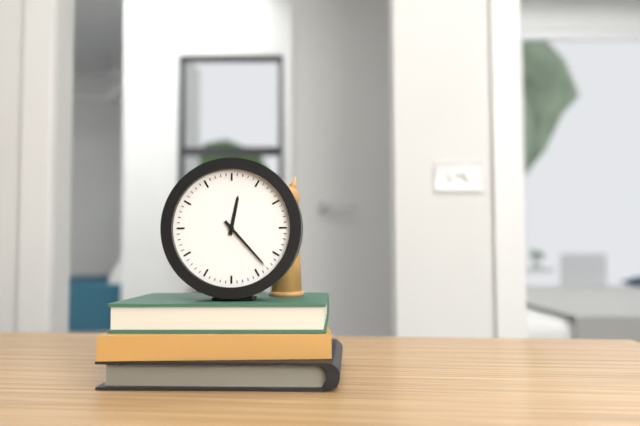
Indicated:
12 h 23 min
